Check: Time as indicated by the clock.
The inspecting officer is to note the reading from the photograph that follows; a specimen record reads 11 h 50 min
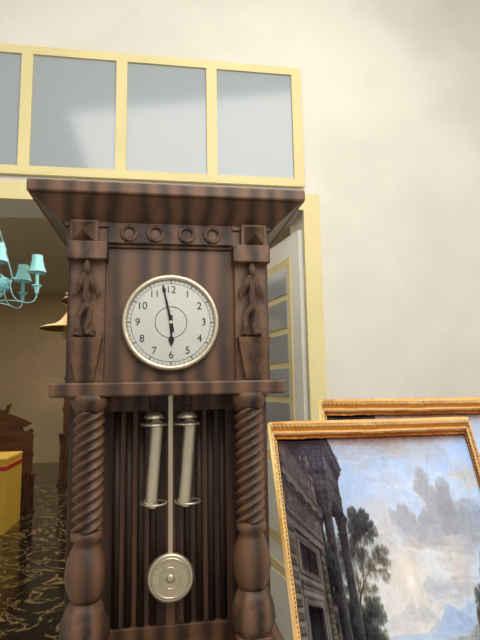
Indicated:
5 h 58 min
